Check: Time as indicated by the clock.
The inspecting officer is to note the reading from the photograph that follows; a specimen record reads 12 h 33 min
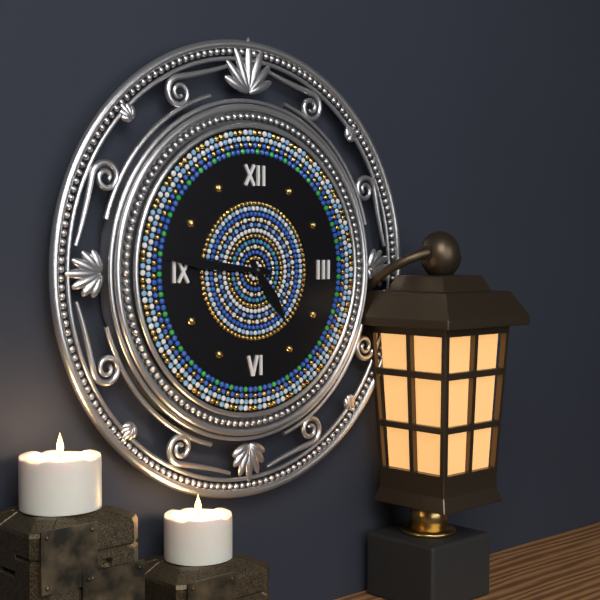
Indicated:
4 h 46 min
